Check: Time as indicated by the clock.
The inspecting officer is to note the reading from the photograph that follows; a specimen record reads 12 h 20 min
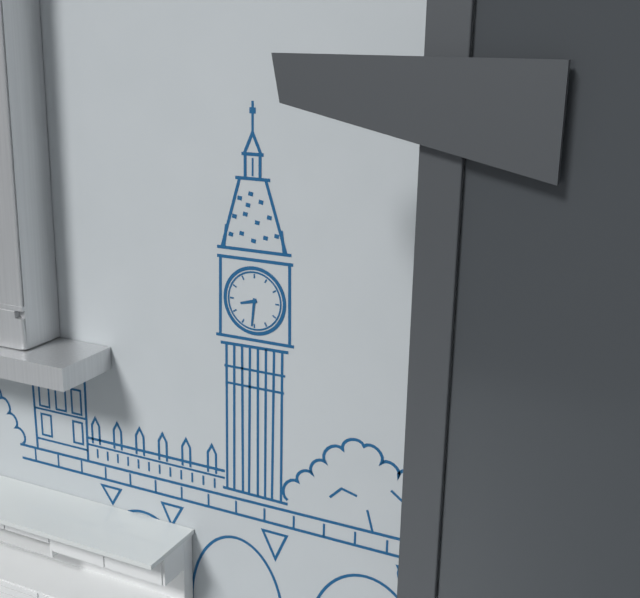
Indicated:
8 h 31 min
